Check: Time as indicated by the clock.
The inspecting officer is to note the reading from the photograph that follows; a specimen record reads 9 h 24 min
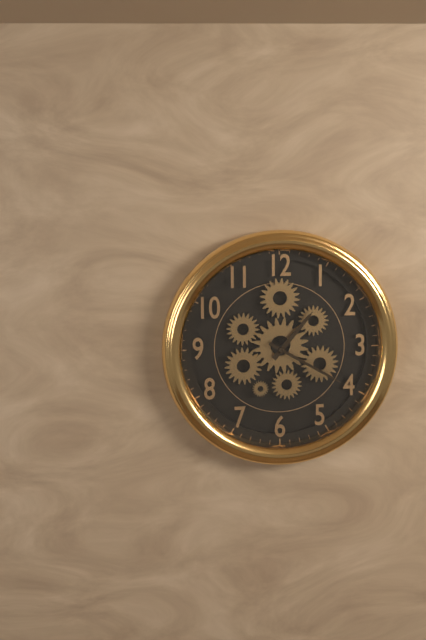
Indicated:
1 h 20 min
